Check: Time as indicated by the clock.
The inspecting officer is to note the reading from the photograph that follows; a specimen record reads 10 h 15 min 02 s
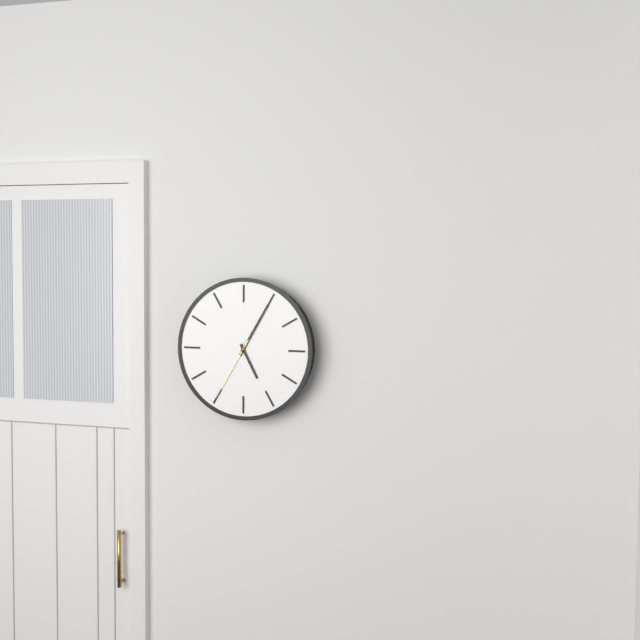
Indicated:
5 h 05 min 35 s
